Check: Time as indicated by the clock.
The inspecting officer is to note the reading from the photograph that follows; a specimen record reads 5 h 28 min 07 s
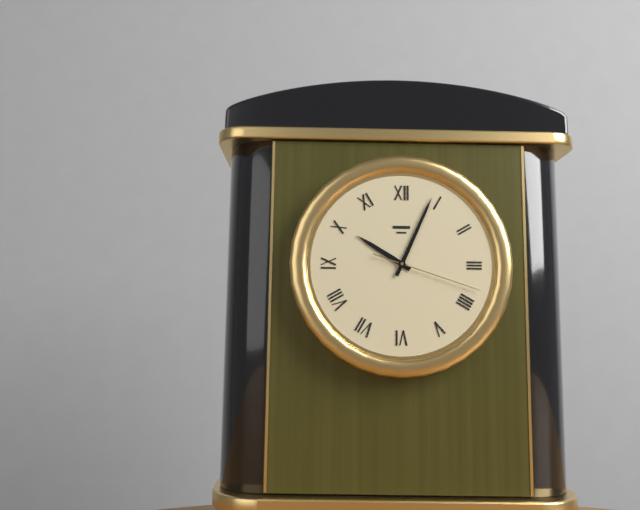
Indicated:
10 h 04 min 18 s
